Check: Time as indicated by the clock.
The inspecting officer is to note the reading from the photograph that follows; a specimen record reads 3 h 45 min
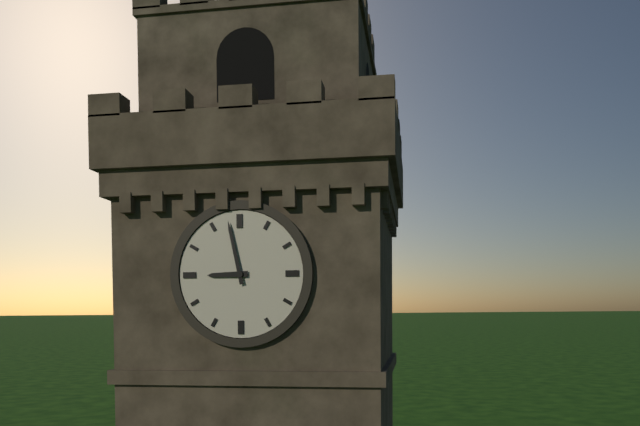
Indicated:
8 h 58 min
